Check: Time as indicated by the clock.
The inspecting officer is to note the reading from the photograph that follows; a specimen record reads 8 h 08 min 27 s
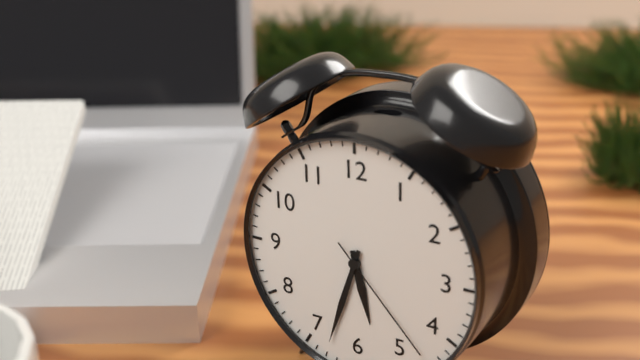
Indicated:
5 h 33 min 23 s
